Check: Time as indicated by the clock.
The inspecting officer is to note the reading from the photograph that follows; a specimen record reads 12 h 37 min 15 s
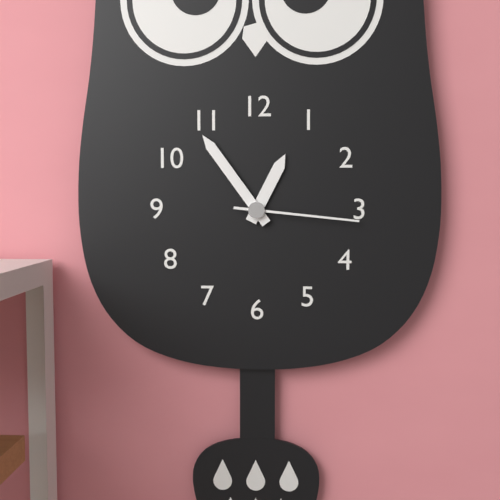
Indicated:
12 h 54 min 16 s
